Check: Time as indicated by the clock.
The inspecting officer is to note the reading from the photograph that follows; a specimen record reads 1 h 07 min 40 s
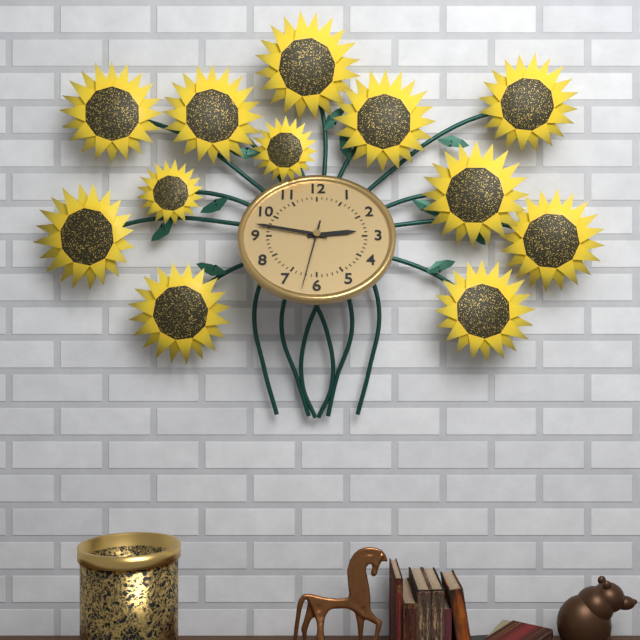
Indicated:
2 h 47 min 32 s
